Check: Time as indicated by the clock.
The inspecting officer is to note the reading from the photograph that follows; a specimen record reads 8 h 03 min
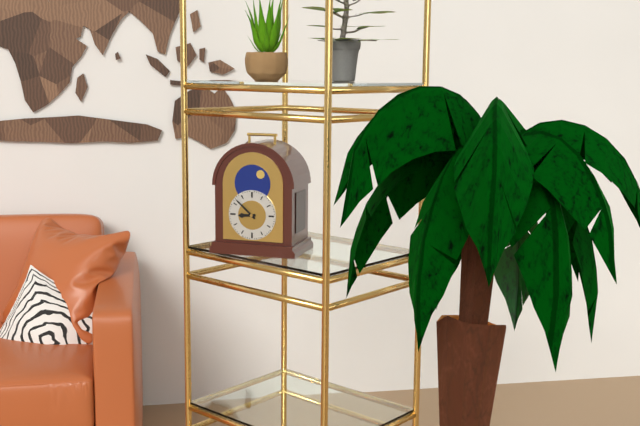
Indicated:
8 h 52 min
